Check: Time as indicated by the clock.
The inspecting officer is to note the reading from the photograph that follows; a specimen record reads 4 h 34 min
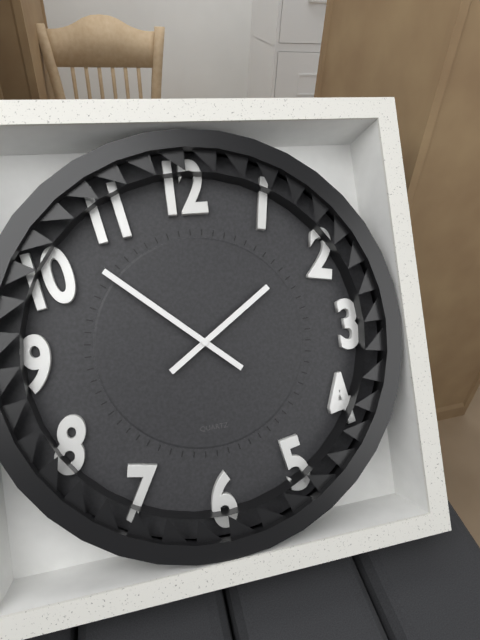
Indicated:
1 h 52 min
